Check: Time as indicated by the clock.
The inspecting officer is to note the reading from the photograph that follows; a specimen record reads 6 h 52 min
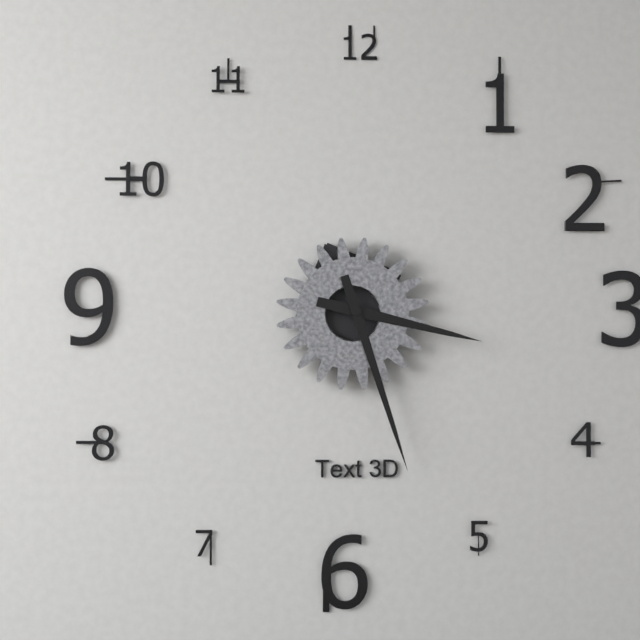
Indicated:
3 h 27 min
